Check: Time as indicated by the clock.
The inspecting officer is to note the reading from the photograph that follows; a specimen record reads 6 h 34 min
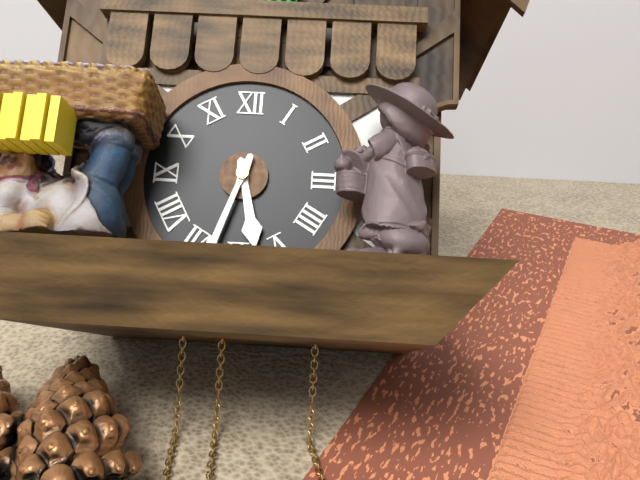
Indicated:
5 h 33 min
